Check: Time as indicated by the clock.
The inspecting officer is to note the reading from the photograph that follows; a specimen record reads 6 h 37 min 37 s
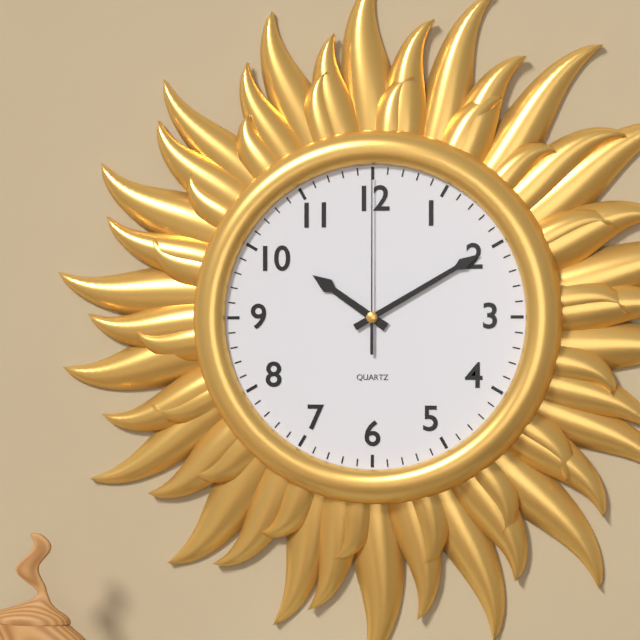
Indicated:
10 h 10 min 00 s
